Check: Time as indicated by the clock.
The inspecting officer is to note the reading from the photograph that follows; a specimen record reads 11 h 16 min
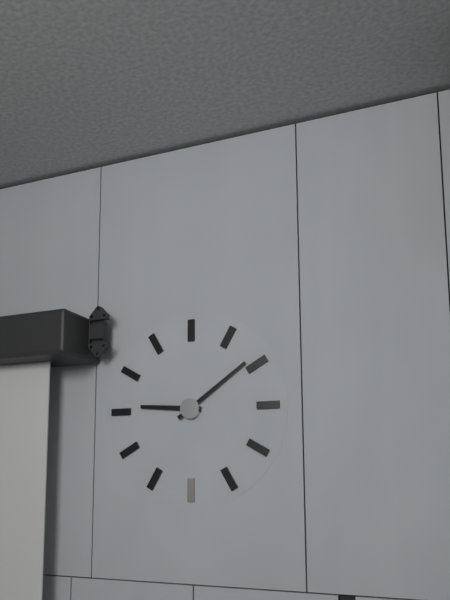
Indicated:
9 h 09 min
